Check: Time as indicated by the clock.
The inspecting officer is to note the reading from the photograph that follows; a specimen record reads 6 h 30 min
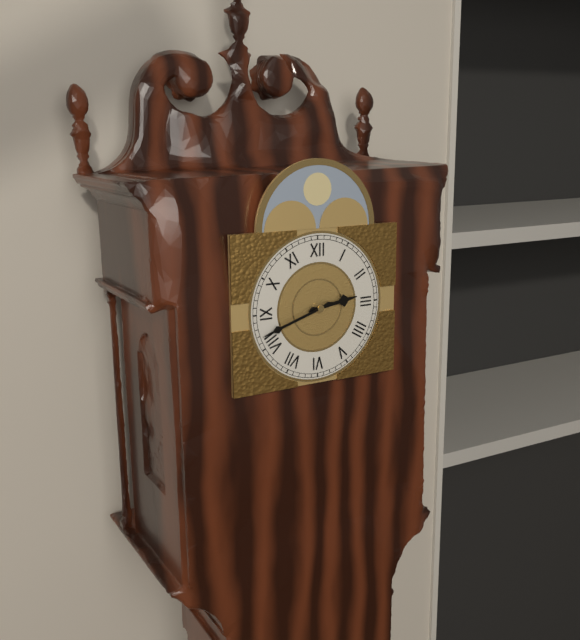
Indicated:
2 h 42 min
